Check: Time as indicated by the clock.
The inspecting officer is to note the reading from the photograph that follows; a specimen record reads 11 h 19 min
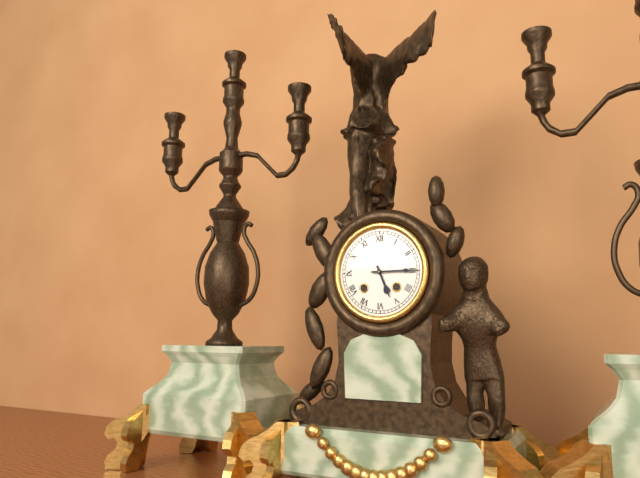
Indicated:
5 h 15 min
